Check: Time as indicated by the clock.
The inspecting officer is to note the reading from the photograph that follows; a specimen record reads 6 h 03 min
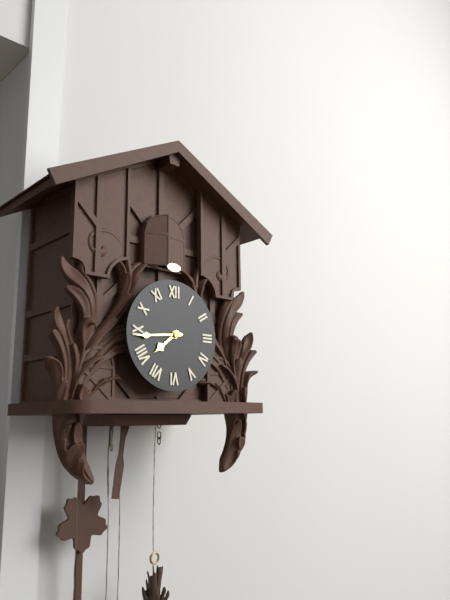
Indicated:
7 h 44 min
